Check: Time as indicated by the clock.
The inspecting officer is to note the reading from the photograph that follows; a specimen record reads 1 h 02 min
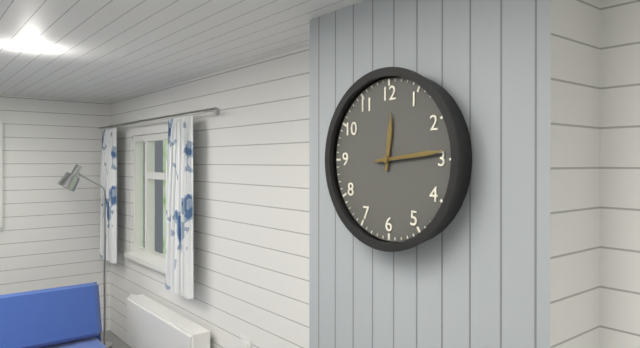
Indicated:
12 h 14 min
